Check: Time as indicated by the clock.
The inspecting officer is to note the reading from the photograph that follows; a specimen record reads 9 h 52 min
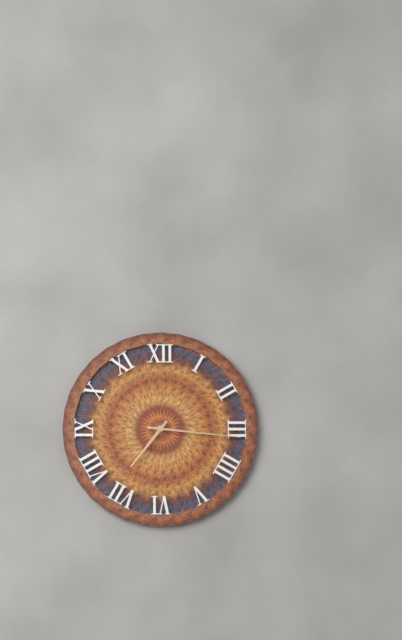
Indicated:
7 h 16 min
